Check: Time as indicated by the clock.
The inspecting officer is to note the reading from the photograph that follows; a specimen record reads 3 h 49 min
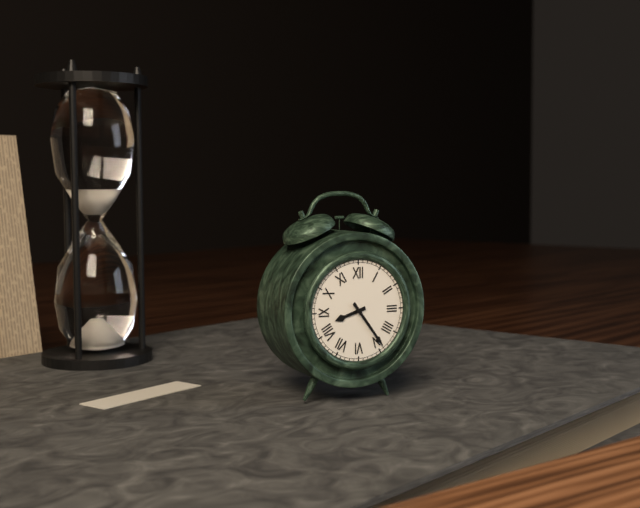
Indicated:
8 h 24 min
